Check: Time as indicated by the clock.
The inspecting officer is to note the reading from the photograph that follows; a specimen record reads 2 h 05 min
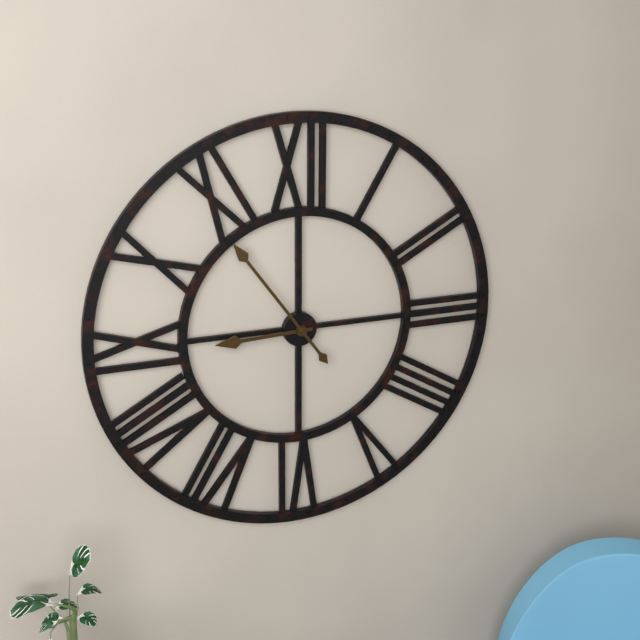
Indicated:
8 h 54 min
